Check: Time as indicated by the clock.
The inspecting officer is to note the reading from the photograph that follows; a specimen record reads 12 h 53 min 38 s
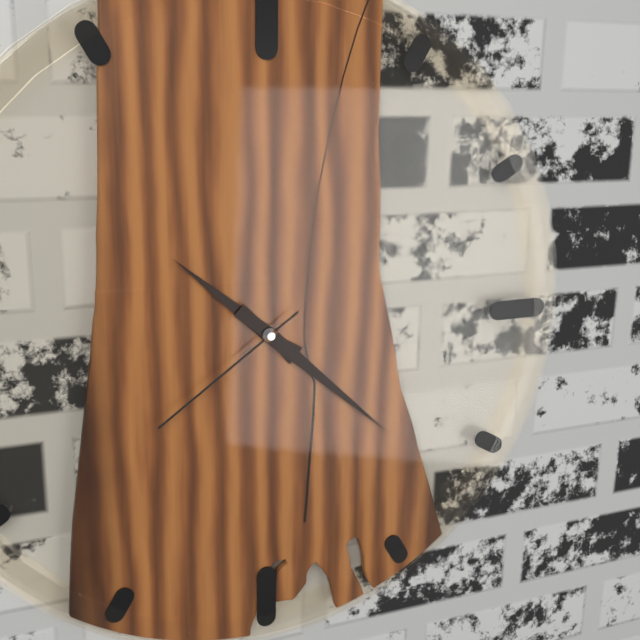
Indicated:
10 h 22 min 39 s
